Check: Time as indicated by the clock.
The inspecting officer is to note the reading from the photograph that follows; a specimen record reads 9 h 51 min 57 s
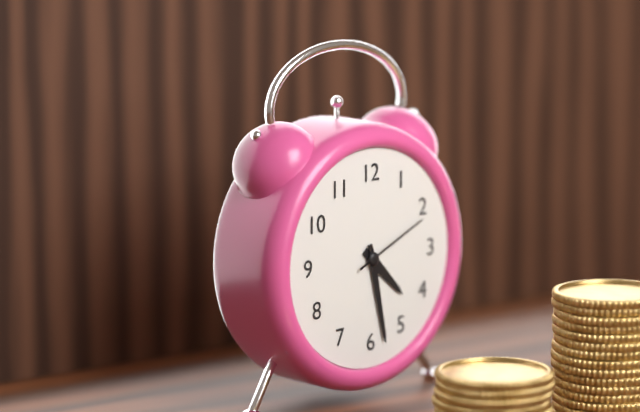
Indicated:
4 h 28 min 11 s
